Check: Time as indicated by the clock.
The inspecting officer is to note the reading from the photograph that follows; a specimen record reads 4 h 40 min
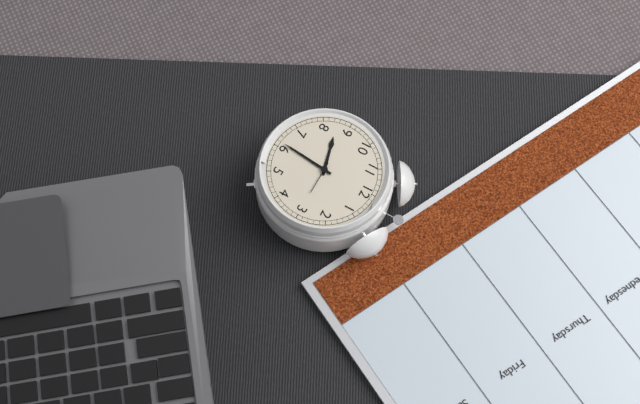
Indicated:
8 h 31 min
